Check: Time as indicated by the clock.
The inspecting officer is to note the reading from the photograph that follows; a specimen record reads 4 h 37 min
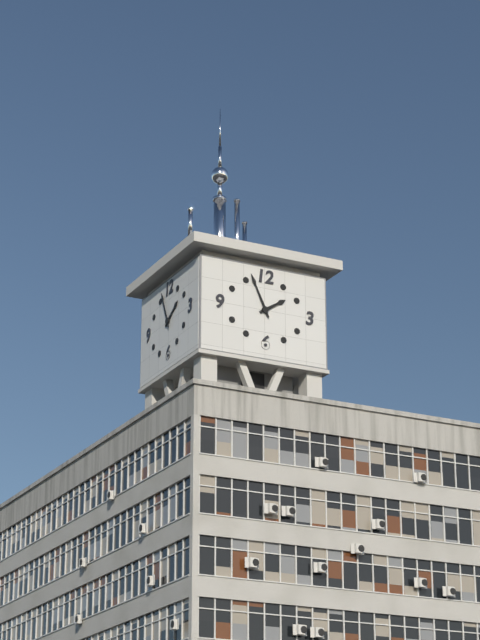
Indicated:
1 h 56 min
